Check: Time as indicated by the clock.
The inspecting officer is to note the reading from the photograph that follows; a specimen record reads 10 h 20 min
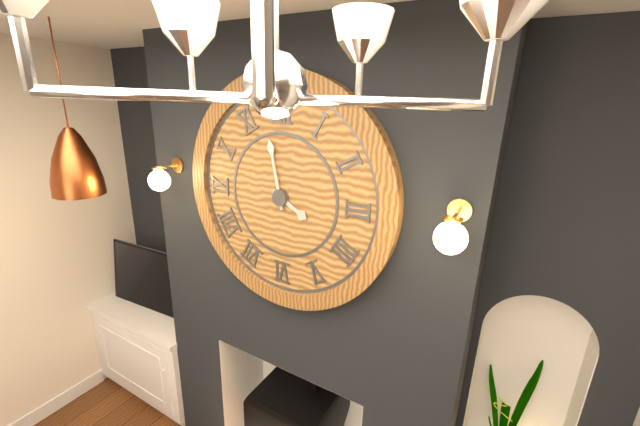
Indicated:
3 h 58 min
